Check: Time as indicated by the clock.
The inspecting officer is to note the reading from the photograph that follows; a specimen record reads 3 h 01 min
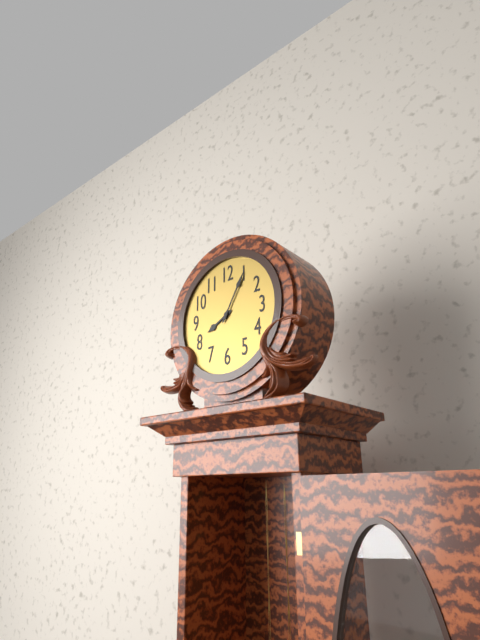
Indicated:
8 h 05 min
